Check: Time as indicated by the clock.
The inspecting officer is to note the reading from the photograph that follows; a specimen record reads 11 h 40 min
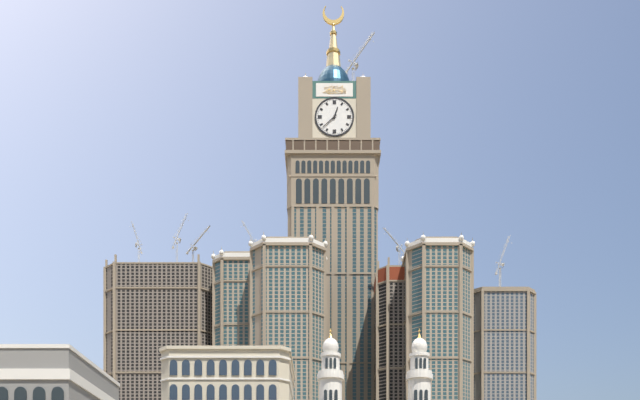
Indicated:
12 h 38 min
